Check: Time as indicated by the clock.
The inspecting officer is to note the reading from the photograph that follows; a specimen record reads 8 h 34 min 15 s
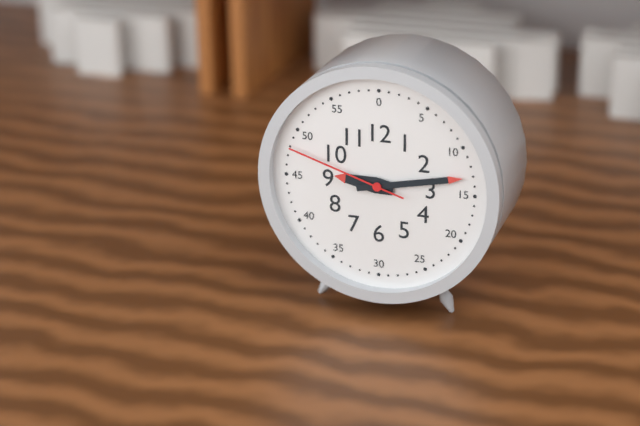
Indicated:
9 h 13 min 48 s
